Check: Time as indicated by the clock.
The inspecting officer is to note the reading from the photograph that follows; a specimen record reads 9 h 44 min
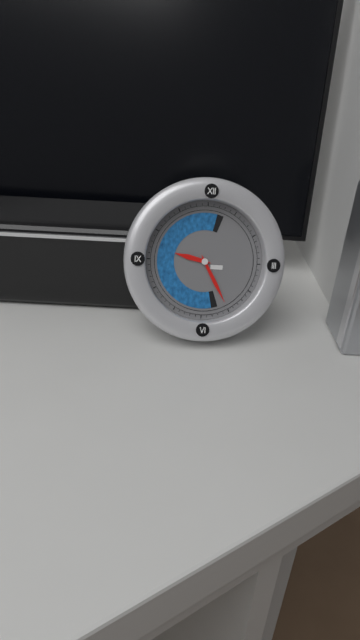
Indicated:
9 h 25 min
